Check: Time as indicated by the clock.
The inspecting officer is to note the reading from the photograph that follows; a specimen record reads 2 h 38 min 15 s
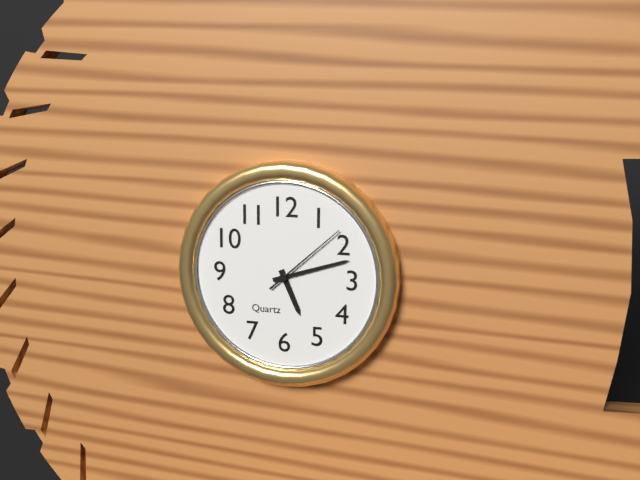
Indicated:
5 h 12 min 08 s
